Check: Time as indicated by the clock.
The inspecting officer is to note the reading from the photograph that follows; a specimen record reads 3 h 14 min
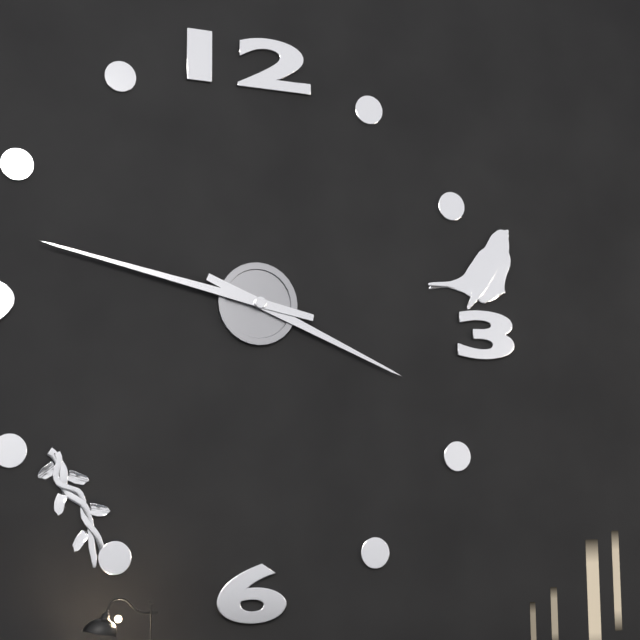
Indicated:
3 h 47 min
